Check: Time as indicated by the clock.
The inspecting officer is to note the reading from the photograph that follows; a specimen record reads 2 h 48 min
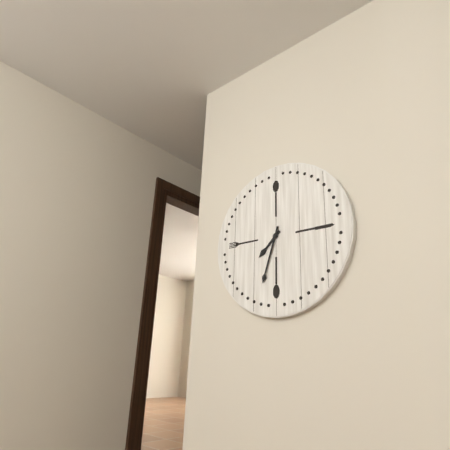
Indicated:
7 h 33 min
